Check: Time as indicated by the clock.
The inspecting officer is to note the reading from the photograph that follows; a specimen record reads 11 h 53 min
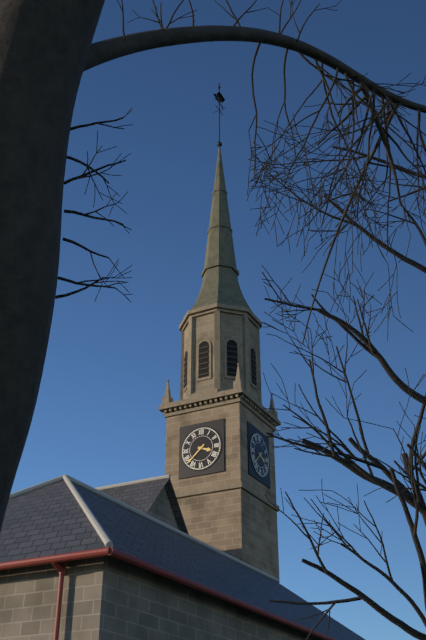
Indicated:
3 h 38 min
